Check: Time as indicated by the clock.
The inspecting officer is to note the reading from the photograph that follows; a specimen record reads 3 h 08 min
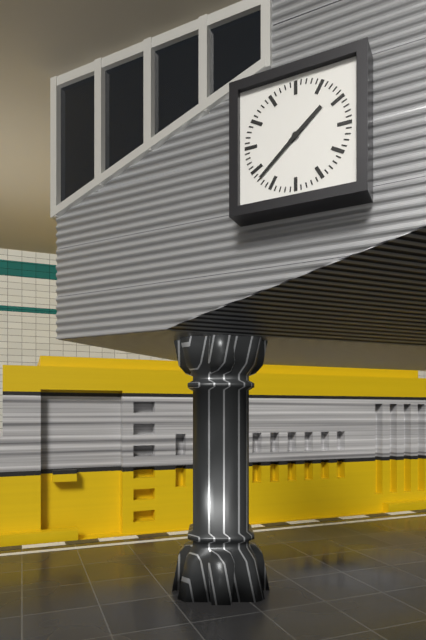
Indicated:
1 h 38 min
